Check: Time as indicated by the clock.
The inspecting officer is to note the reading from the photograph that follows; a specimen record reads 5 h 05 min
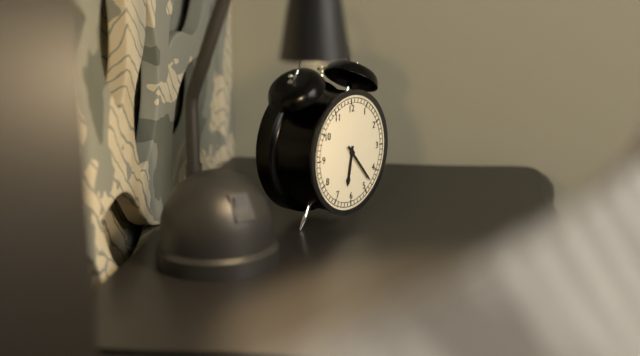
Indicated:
6 h 23 min
